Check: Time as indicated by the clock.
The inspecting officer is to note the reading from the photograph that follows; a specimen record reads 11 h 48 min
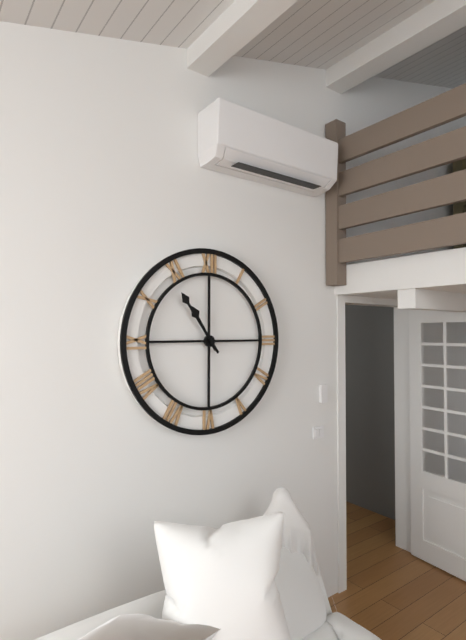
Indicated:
10 h 54 min
